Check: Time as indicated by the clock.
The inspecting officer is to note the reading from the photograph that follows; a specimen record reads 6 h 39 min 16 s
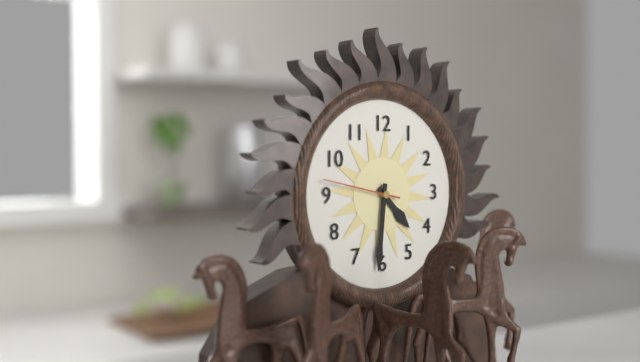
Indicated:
4 h 31 min 47 s
